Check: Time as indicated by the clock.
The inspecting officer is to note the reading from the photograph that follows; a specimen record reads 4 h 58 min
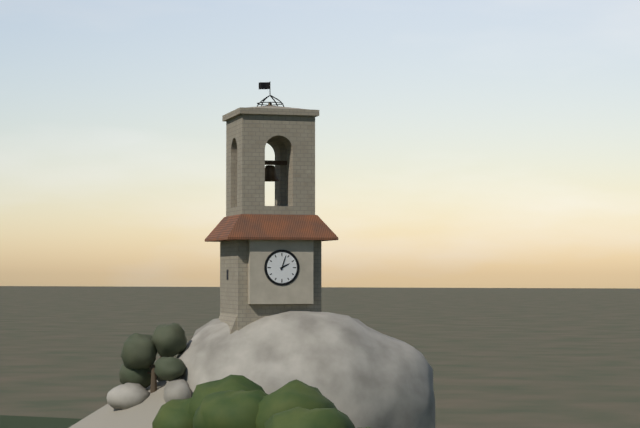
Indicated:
2 h 03 min
